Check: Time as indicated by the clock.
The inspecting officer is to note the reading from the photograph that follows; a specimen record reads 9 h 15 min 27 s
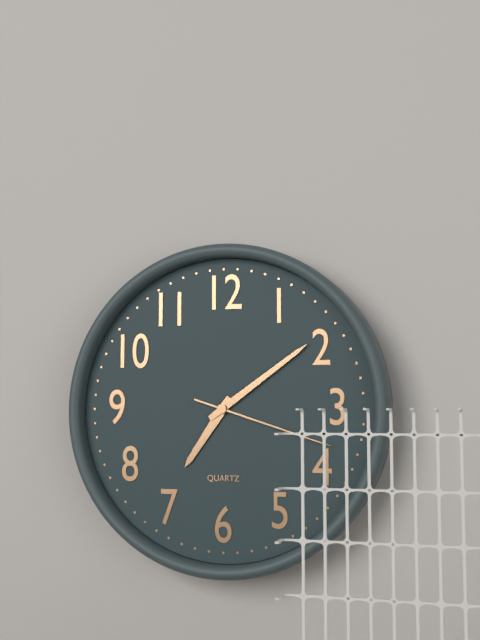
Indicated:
7 h 09 min 18 s
